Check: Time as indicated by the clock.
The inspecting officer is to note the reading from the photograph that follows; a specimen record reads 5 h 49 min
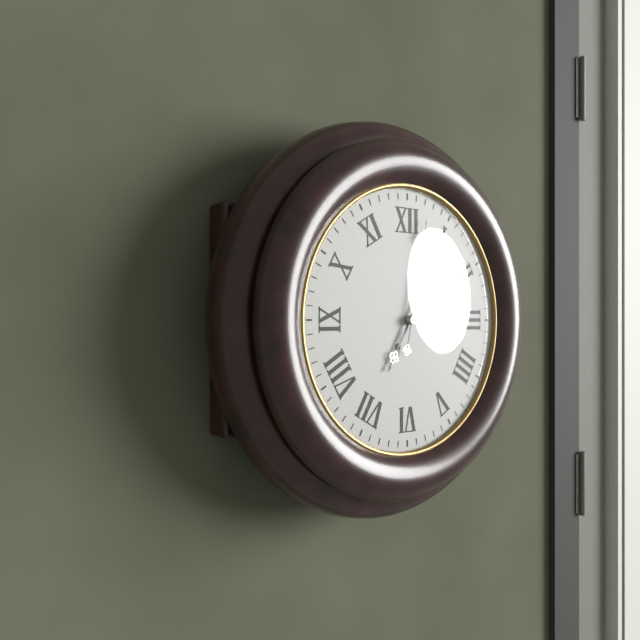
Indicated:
7 h 02 min
